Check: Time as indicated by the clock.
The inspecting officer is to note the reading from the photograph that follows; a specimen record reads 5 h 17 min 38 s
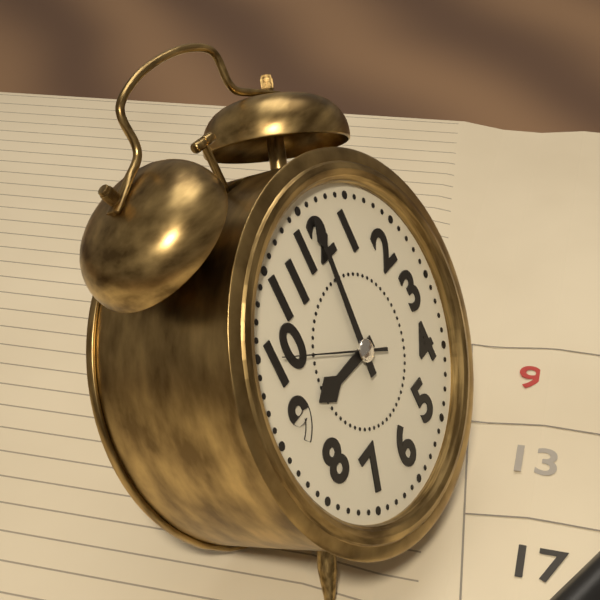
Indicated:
9 h 01 min 50 s
